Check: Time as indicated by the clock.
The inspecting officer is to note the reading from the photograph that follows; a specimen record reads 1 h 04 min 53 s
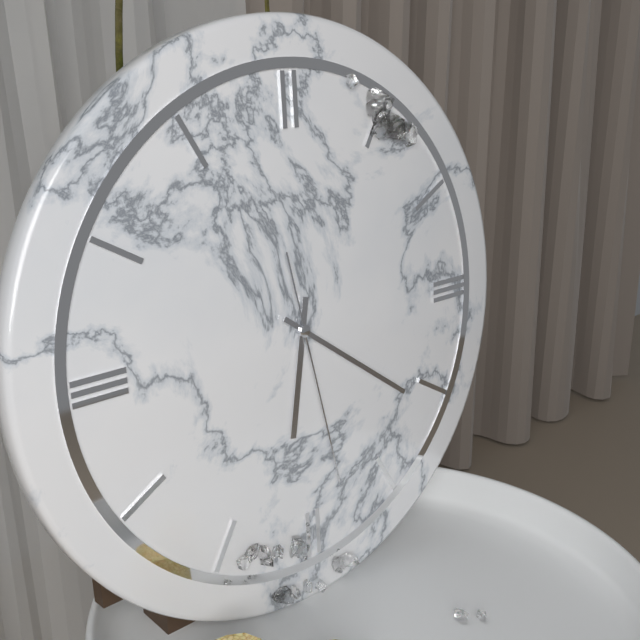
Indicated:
6 h 21 min 28 s
